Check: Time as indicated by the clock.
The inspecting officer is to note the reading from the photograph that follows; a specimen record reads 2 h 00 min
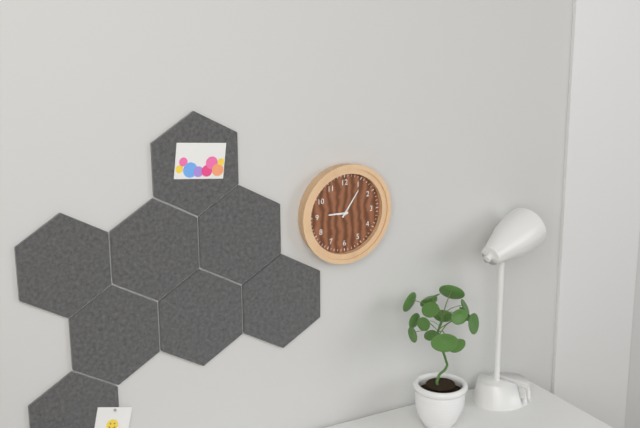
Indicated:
9 h 06 min
